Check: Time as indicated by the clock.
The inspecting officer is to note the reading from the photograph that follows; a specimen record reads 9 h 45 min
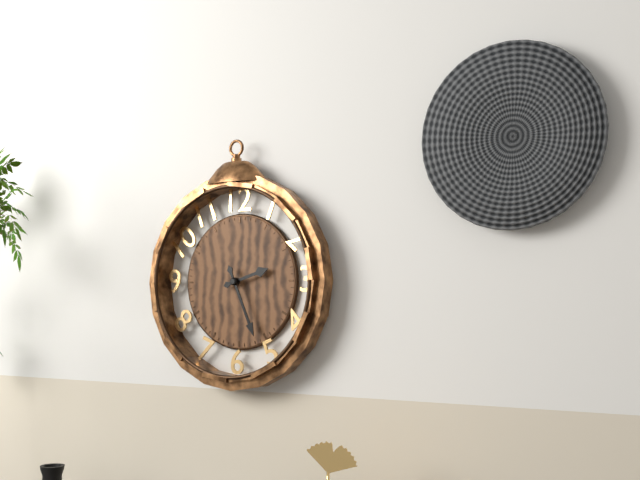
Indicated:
2 h 26 min
